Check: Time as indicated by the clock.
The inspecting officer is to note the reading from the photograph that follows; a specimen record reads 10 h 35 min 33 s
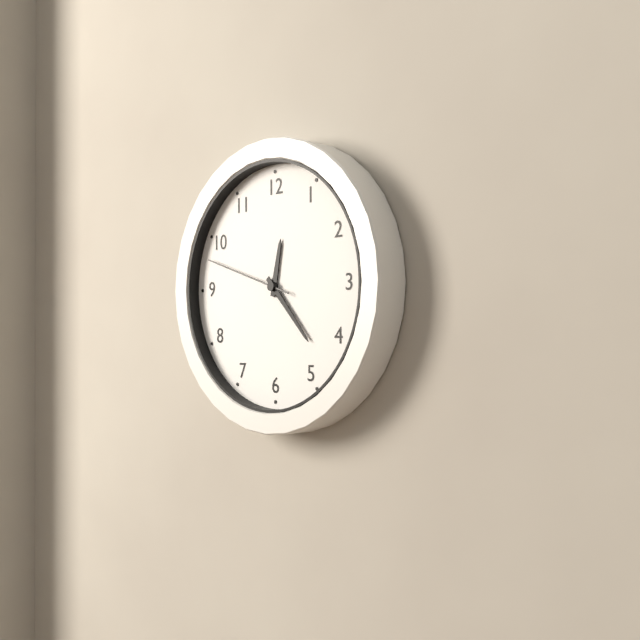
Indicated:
12 h 23 min 48 s
